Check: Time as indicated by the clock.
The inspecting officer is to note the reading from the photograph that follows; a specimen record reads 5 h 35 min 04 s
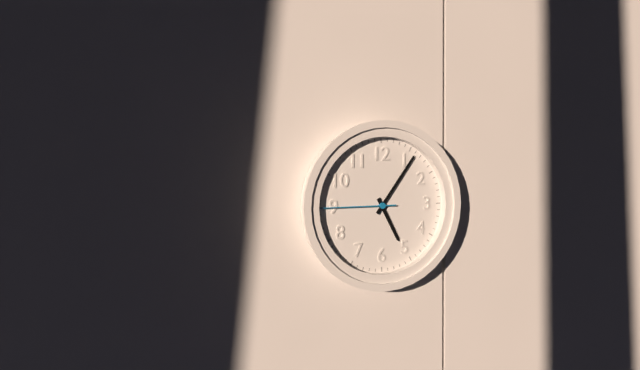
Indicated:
5 h 06 min 45 s
